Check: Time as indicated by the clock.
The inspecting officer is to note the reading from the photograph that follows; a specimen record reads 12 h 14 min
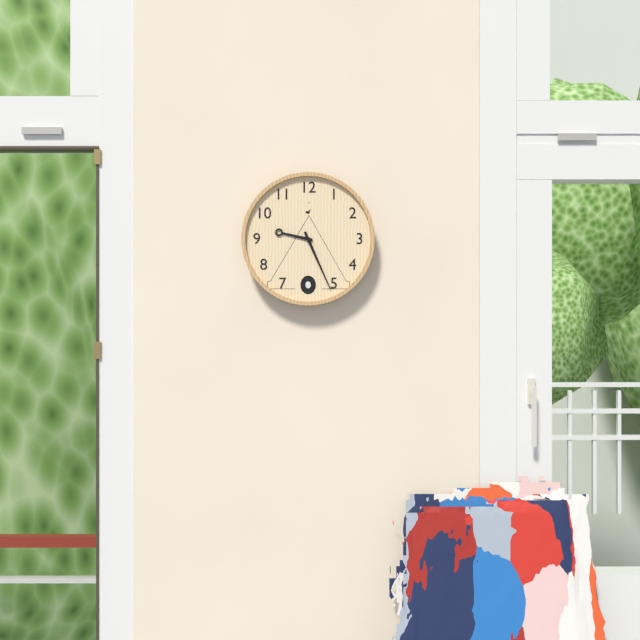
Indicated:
9 h 26 min
